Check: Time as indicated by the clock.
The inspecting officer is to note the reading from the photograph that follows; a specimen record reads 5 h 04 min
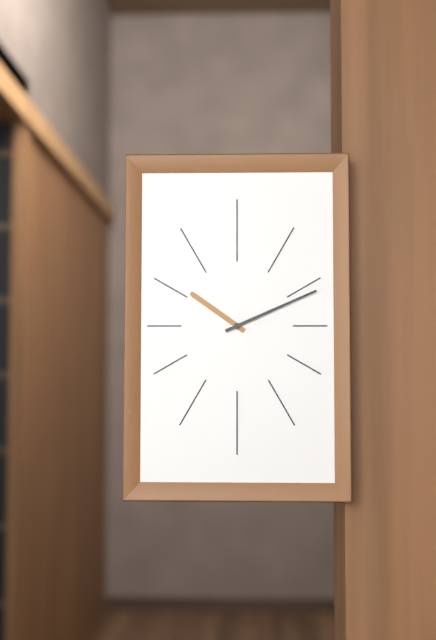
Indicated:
10 h 11 min
